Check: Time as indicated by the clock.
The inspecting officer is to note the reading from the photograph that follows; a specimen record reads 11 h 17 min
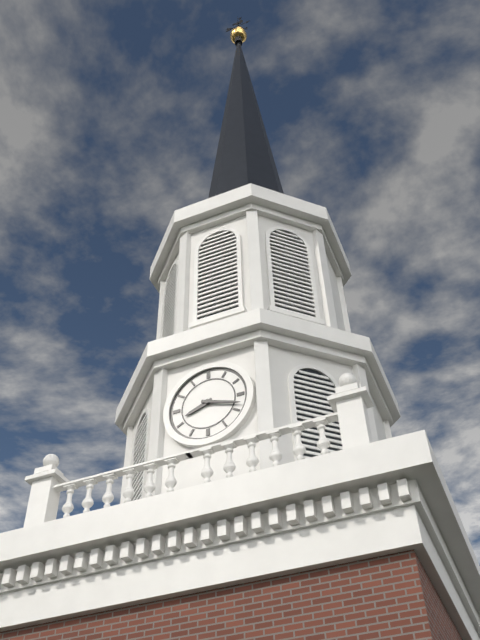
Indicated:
8 h 18 min
